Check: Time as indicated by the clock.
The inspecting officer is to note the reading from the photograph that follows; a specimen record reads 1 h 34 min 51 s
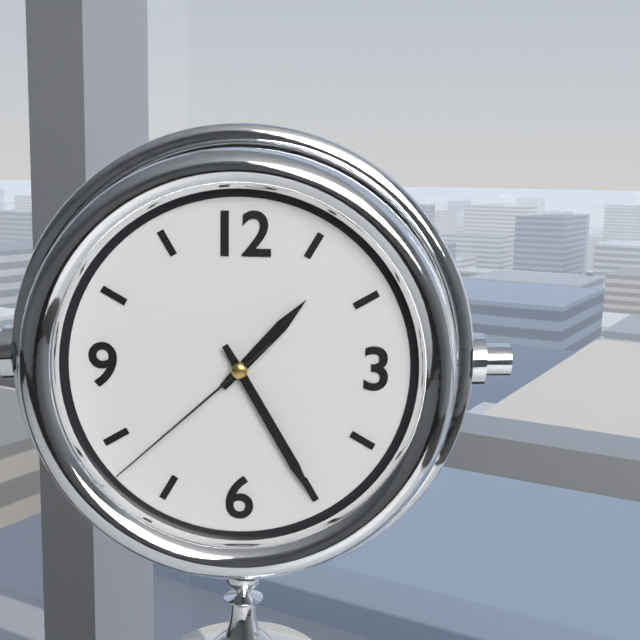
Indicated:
1 h 25 min 38 s
